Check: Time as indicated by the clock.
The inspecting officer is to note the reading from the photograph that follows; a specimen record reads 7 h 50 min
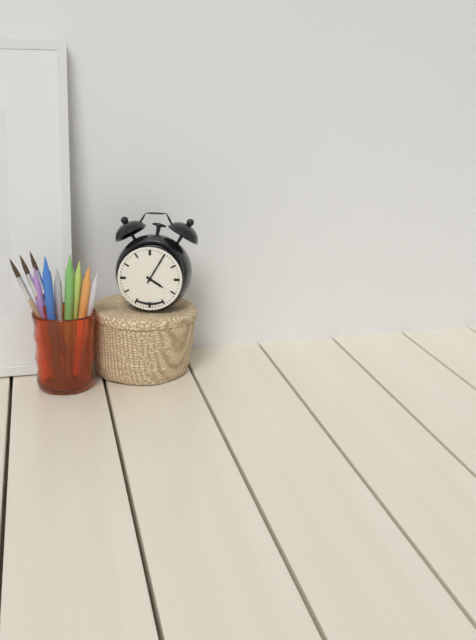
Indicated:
4 h 05 min
